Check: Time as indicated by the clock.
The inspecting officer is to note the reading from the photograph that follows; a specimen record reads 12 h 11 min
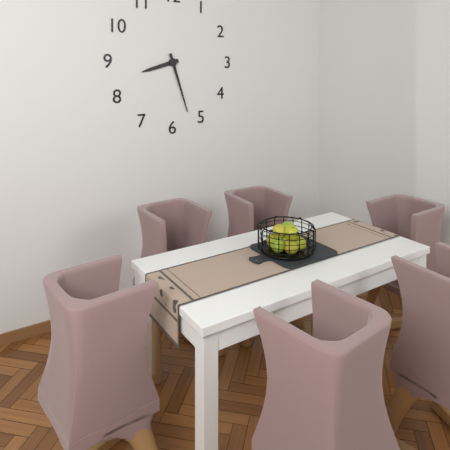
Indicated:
8 h 27 min
